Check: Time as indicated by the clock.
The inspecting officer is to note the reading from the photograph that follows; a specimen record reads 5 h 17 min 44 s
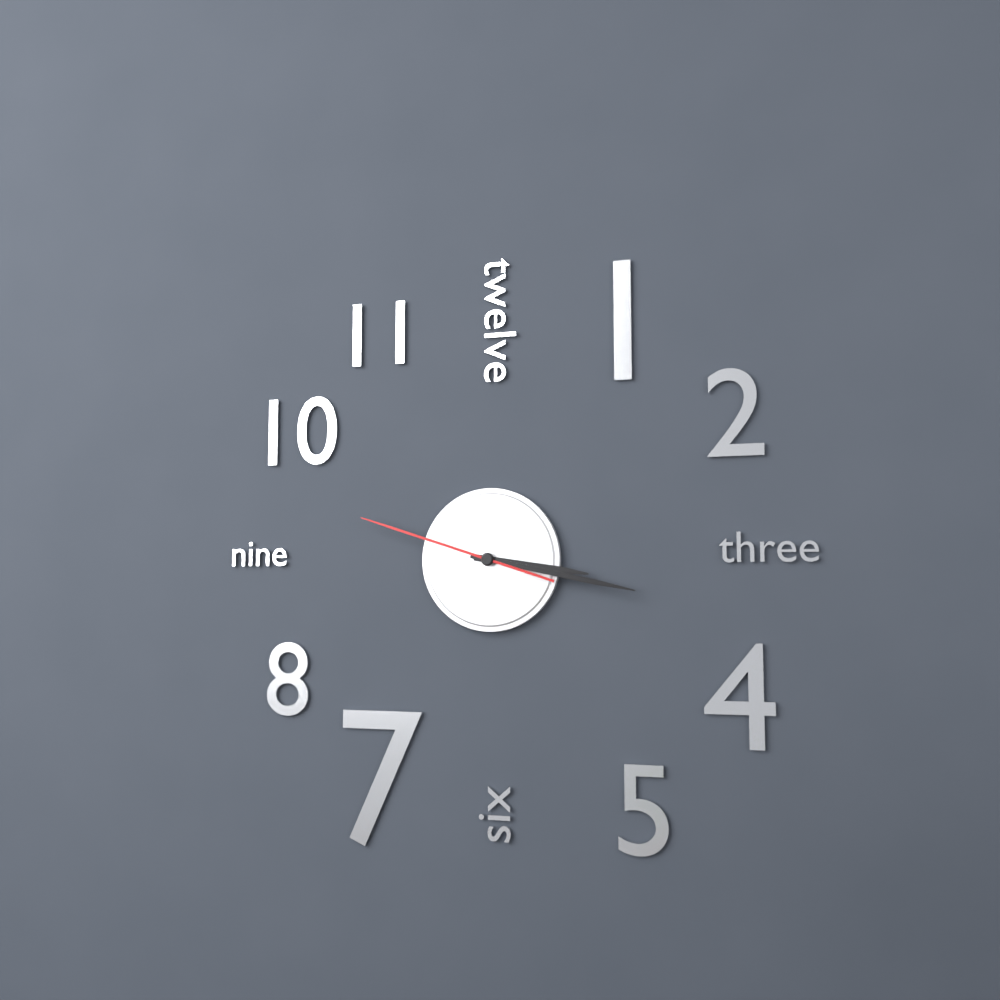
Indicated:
3 h 17 min 48 s
